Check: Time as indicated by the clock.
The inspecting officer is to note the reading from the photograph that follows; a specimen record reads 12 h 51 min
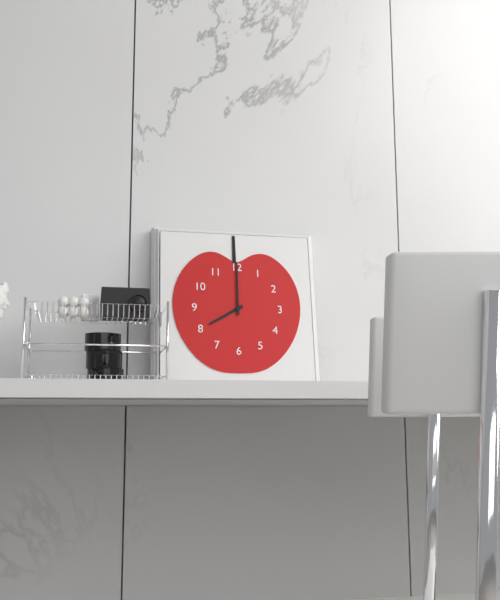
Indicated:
8 h 00 min
